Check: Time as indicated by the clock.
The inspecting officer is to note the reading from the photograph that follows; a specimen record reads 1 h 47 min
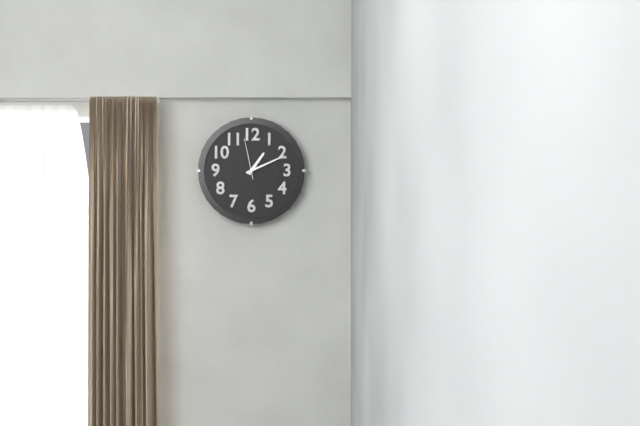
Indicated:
1 h 11 min
